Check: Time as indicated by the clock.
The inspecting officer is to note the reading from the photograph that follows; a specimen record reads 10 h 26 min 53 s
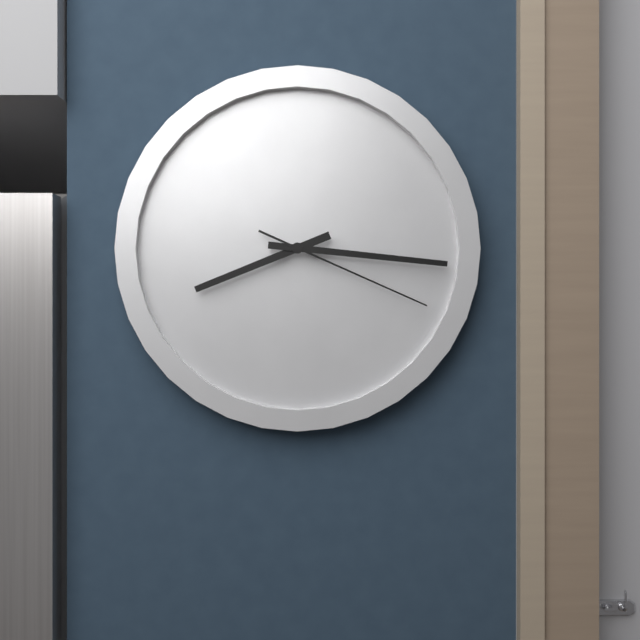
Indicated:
8 h 16 min 19 s
